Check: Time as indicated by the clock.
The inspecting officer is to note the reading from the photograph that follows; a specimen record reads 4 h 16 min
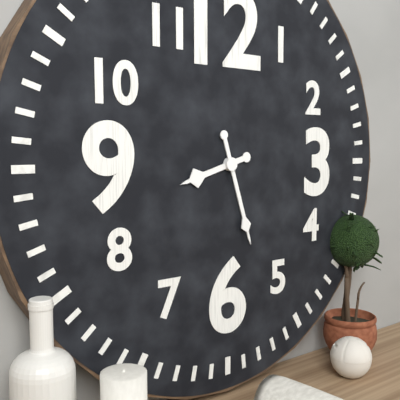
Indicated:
8 h 27 min
